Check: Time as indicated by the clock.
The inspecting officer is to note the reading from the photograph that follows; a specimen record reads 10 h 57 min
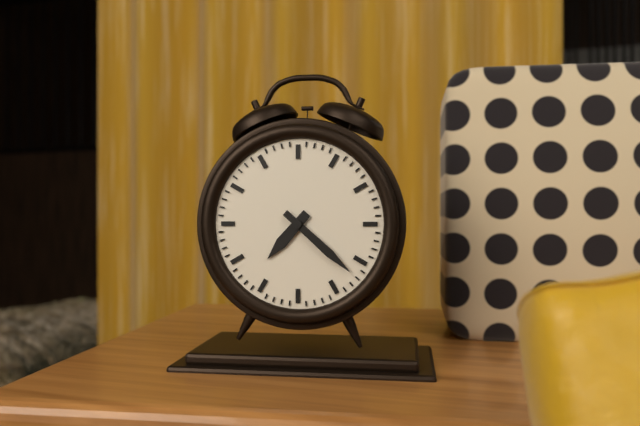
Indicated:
7 h 22 min
